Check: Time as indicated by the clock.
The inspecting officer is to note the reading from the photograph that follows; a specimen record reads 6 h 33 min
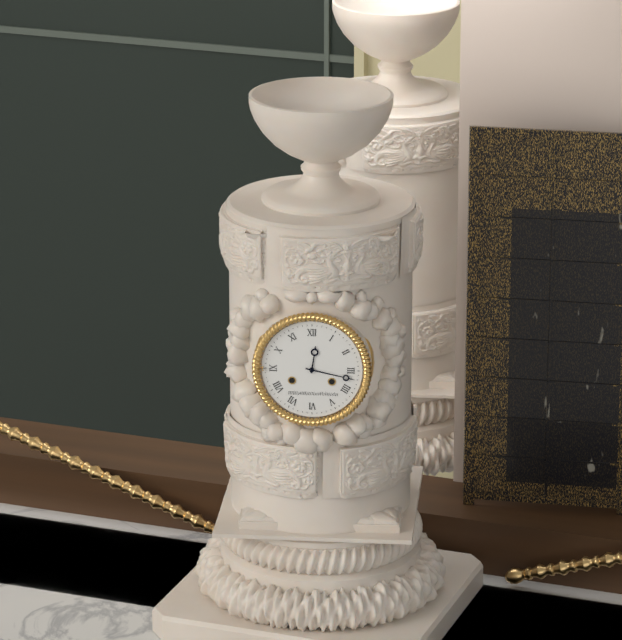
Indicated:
12 h 17 min
